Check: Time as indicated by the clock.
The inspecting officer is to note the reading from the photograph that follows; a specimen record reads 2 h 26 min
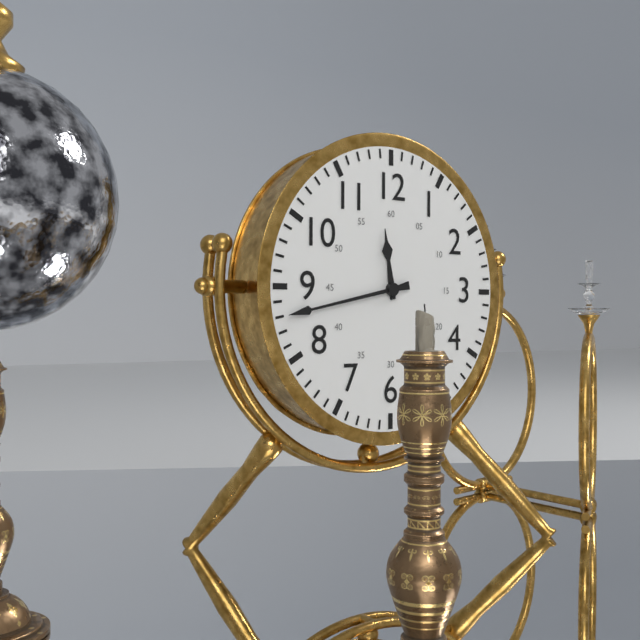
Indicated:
11 h 43 min
